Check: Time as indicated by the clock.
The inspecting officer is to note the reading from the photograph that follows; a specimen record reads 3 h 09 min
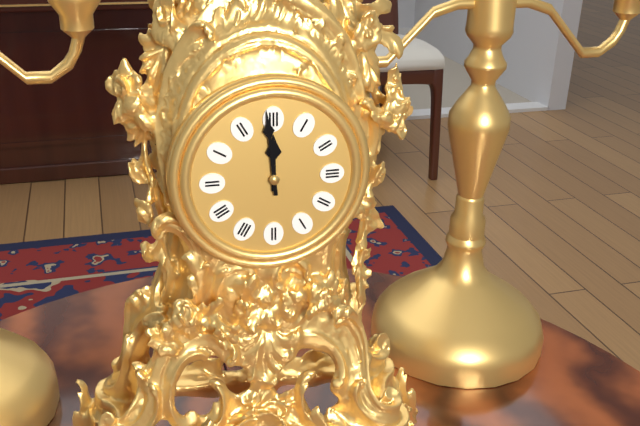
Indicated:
11 h 59 min
